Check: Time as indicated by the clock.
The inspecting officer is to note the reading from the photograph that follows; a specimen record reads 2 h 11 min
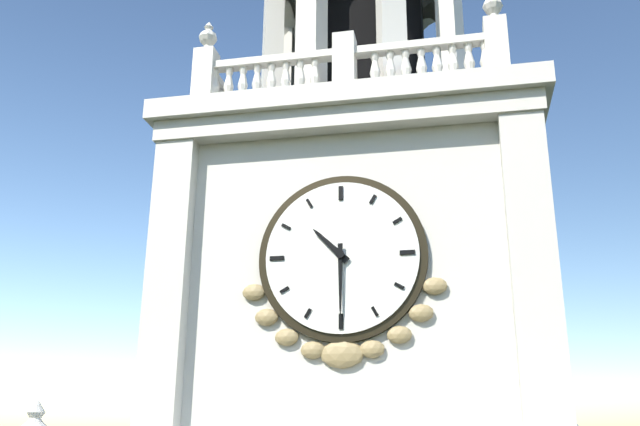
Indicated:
10 h 30 min
